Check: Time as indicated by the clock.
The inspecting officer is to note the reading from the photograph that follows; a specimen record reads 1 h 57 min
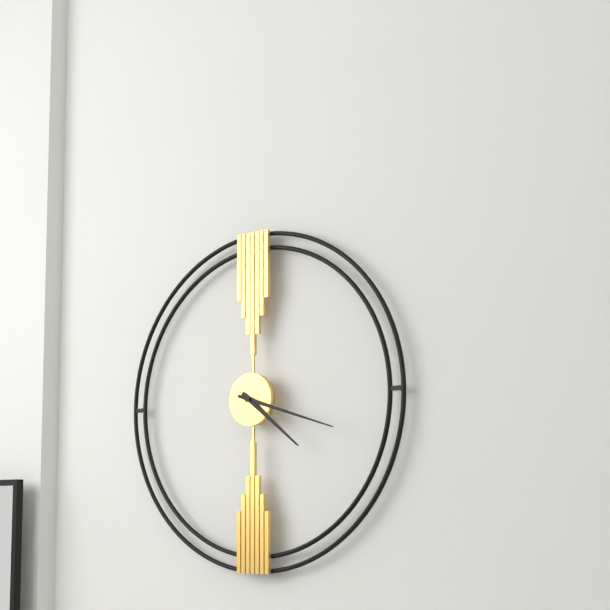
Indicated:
4 h 18 min
